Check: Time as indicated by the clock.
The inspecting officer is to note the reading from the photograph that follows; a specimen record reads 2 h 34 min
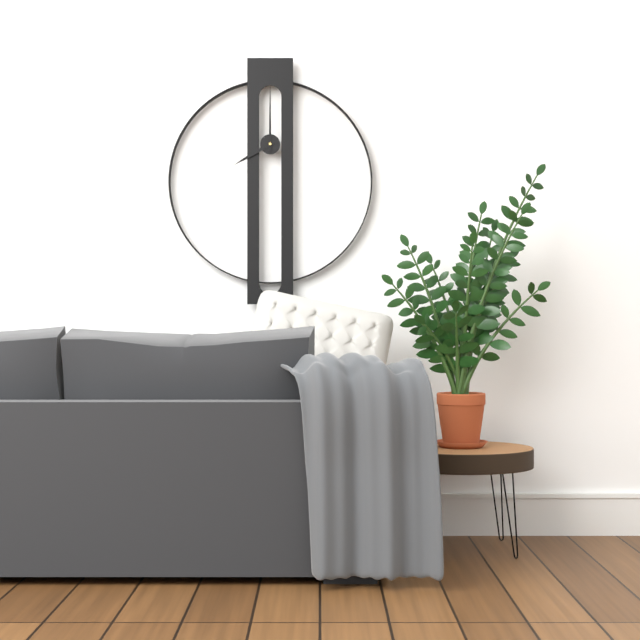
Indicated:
8 h 00 min
